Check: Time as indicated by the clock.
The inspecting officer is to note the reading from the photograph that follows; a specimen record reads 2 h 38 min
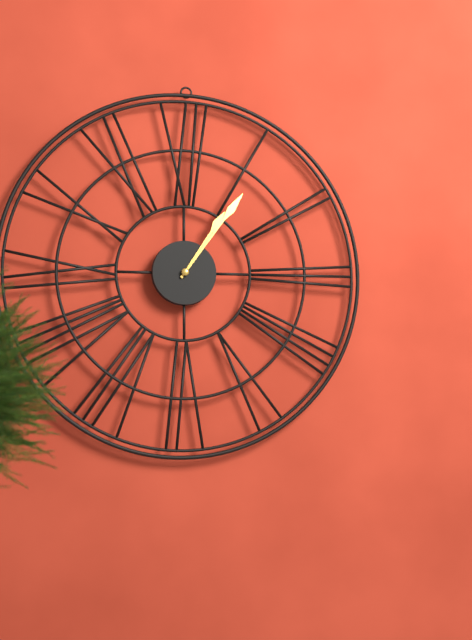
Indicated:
1 h 06 min
